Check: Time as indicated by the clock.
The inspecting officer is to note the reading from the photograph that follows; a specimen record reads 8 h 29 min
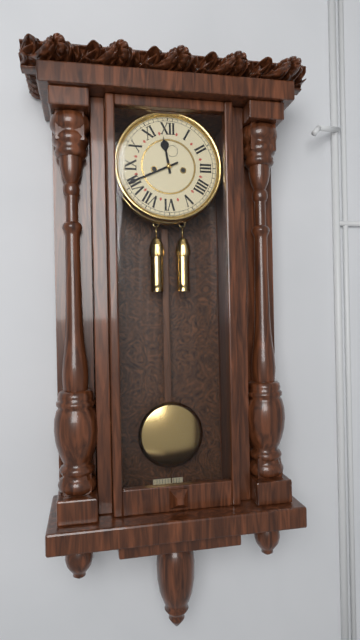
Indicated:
11 h 41 min
